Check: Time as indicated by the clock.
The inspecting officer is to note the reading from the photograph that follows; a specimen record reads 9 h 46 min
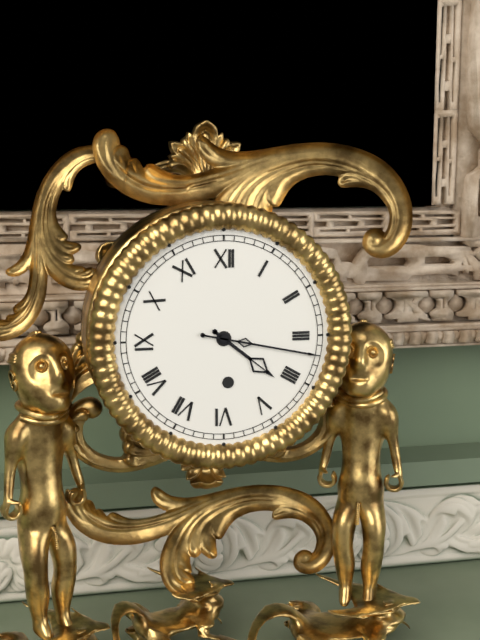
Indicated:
4 h 17 min
